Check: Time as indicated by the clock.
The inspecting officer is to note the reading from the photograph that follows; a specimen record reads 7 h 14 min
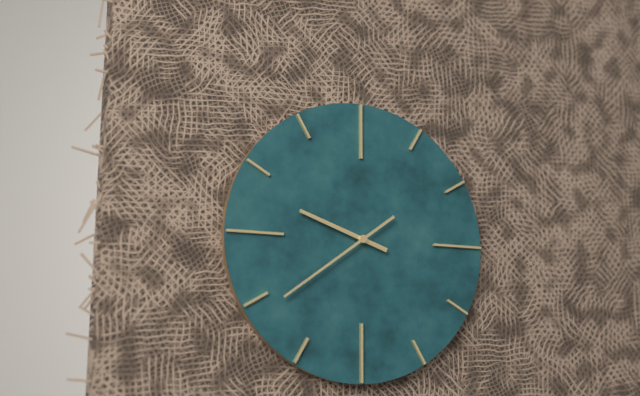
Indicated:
9 h 39 min
